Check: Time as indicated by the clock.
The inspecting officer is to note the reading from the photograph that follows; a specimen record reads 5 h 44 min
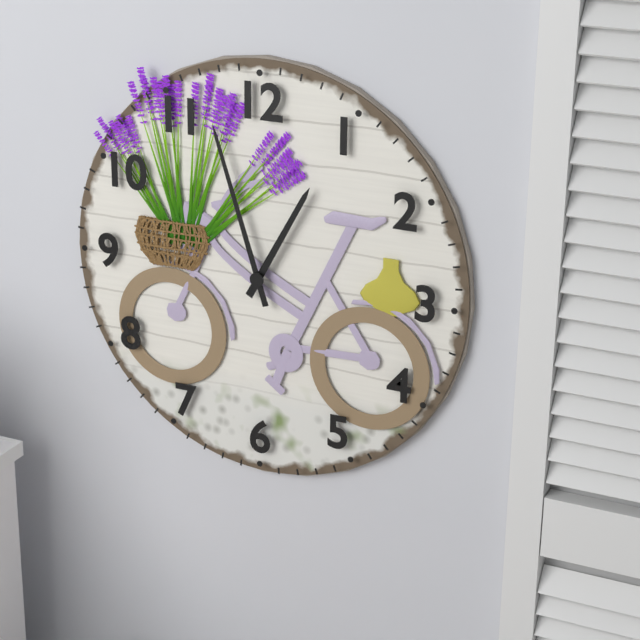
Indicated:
12 h 57 min
